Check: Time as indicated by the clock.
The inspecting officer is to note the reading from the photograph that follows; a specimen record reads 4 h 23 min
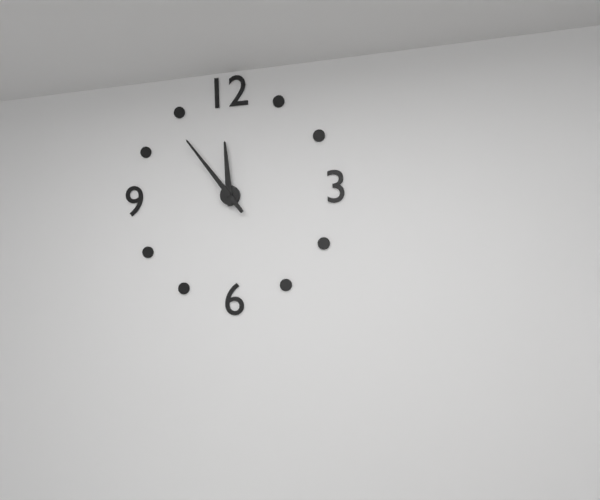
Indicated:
11 h 54 min
